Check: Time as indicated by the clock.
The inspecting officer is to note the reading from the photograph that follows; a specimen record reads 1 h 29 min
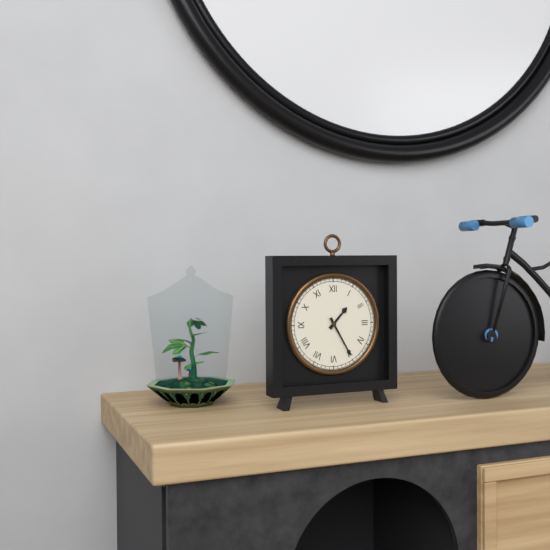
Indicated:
1 h 25 min
